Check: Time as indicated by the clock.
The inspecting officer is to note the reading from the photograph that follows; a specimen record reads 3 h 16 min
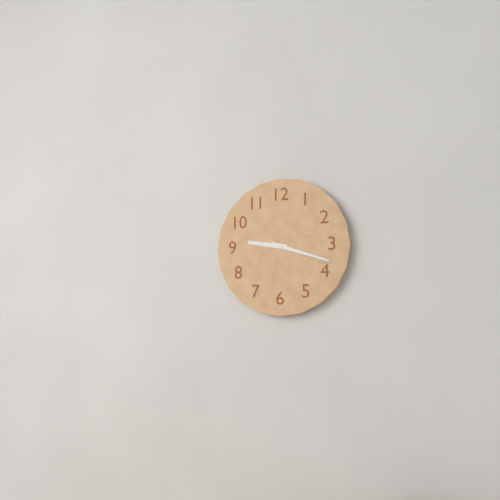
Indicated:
9 h 18 min
